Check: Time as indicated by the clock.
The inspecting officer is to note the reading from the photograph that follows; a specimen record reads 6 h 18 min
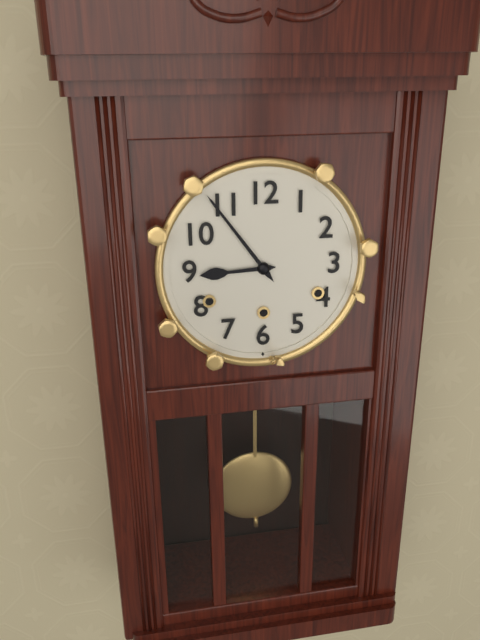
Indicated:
8 h 54 min
